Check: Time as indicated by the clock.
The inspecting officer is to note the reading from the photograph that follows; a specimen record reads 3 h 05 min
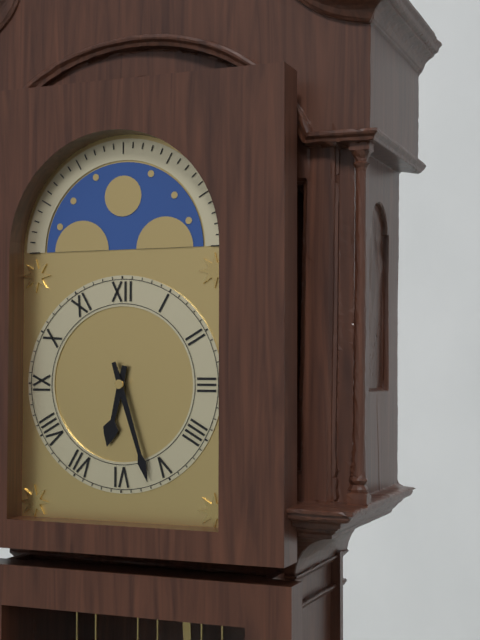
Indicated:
6 h 27 min
